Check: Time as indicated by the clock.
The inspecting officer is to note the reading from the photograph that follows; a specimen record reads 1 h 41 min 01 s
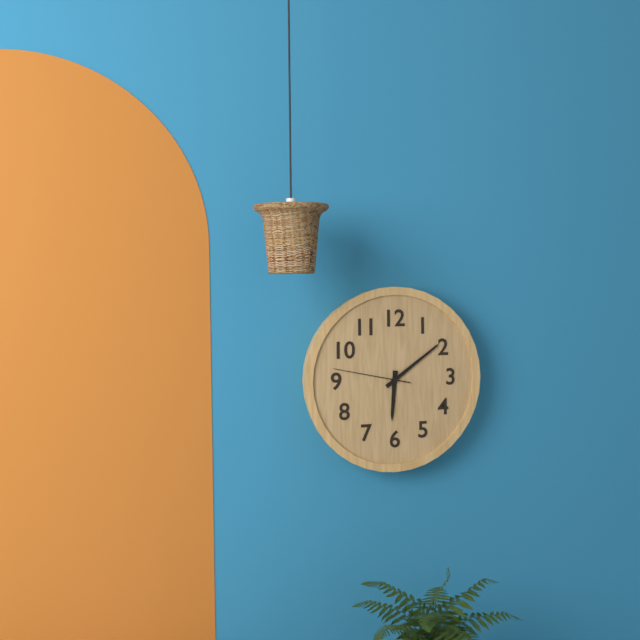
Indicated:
6 h 09 min 47 s
